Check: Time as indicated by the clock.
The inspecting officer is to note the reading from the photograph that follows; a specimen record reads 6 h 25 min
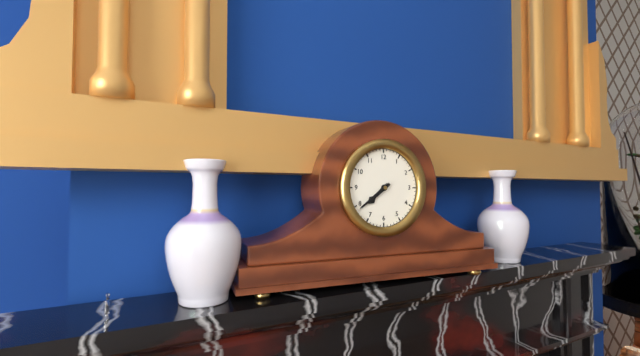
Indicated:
7 h 39 min
